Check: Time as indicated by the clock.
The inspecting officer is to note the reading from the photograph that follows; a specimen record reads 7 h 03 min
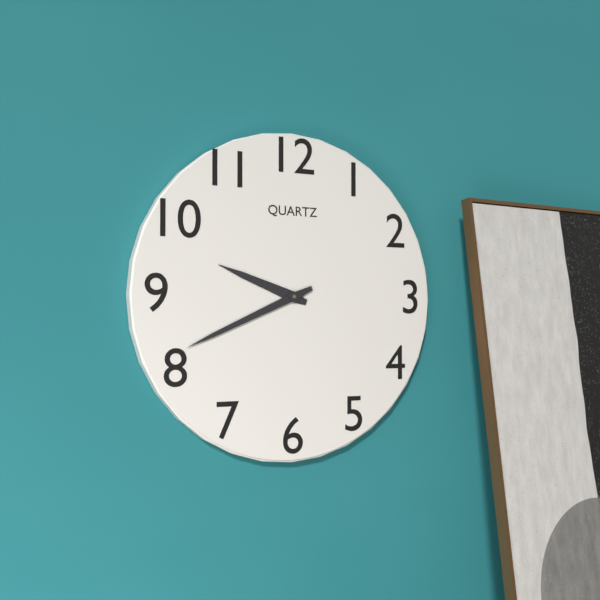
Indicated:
9 h 41 min
